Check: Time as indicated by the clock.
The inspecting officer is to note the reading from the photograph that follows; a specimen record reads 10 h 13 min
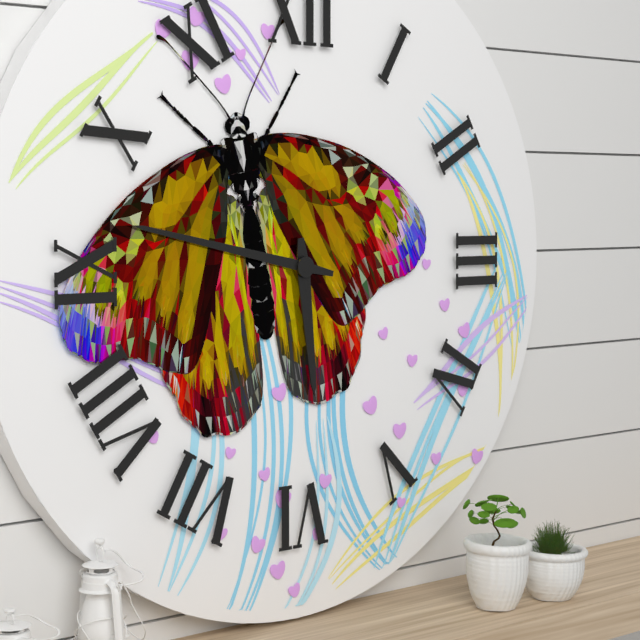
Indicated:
5 h 47 min
